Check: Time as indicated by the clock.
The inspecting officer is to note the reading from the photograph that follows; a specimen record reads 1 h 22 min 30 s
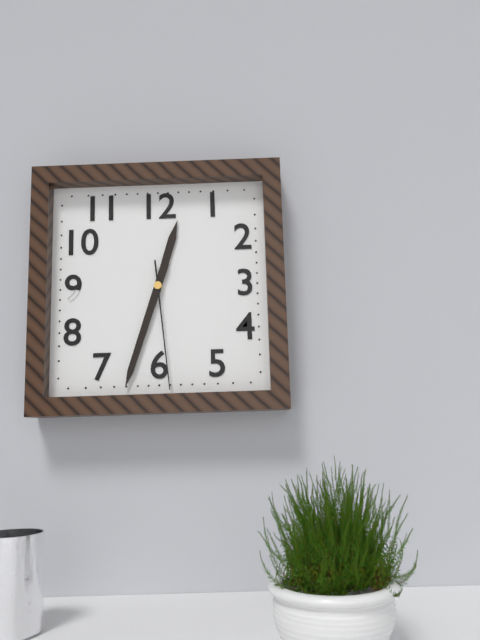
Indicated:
12 h 33 min 29 s
